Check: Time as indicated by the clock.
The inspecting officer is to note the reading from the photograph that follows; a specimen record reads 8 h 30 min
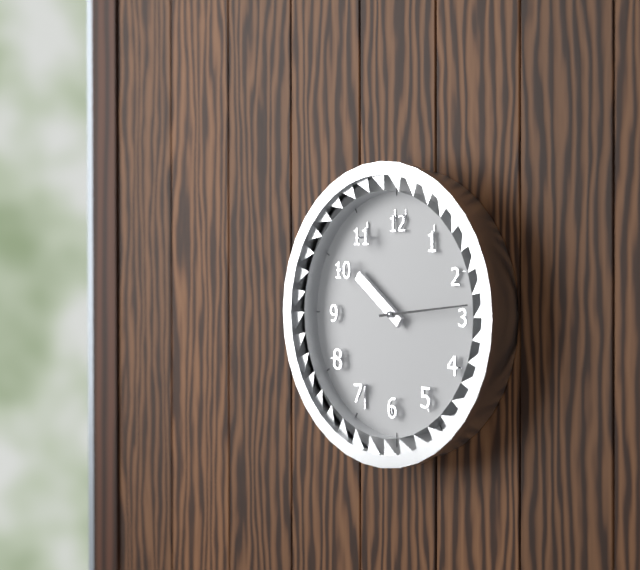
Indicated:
10 h 14 min
